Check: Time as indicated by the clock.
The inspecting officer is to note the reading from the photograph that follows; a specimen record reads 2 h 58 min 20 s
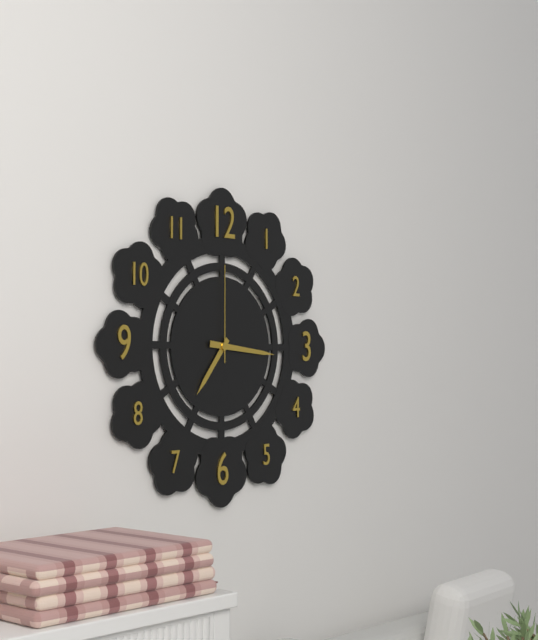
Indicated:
7 h 16 min 00 s
